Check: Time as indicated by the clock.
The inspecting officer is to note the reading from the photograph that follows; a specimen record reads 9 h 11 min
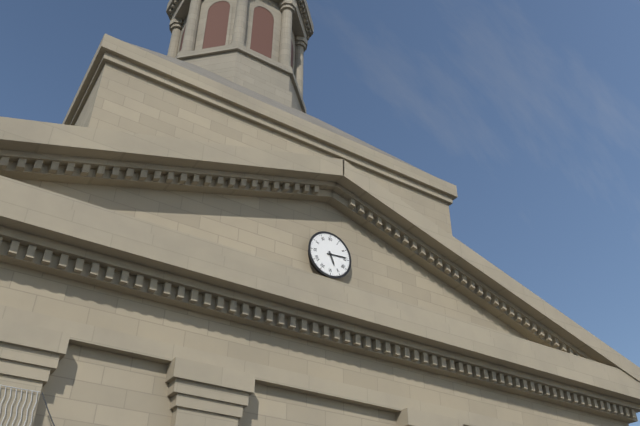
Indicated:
5 h 14 min
